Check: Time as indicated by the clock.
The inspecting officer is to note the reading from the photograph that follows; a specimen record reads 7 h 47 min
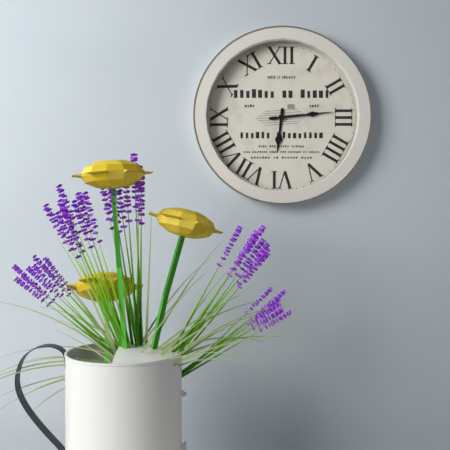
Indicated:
6 h 14 min
